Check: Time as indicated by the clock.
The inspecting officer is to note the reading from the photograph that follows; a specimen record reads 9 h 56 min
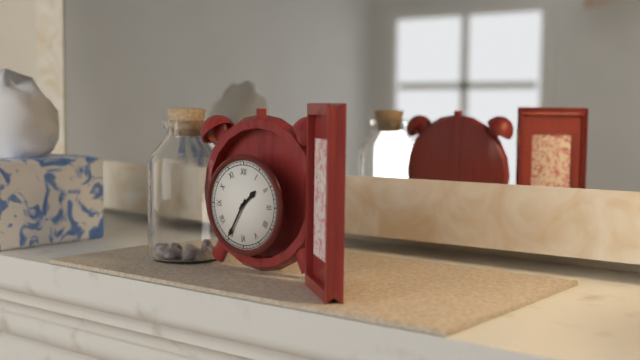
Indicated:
1 h 35 min
